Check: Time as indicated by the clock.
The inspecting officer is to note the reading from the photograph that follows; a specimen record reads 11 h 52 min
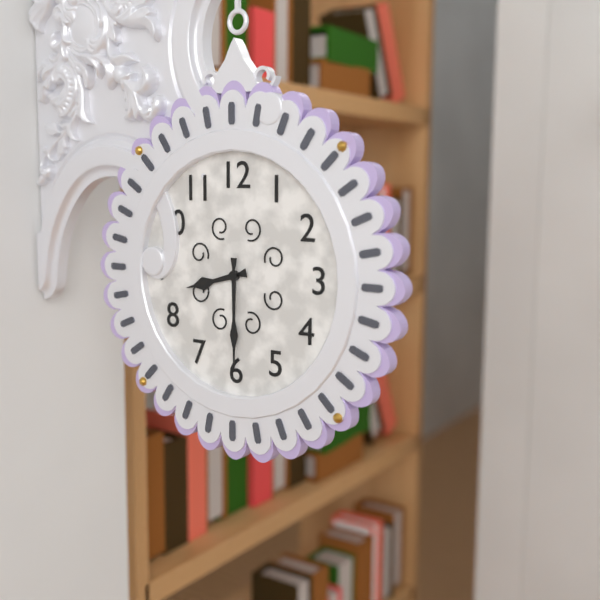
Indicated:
8 h 30 min
